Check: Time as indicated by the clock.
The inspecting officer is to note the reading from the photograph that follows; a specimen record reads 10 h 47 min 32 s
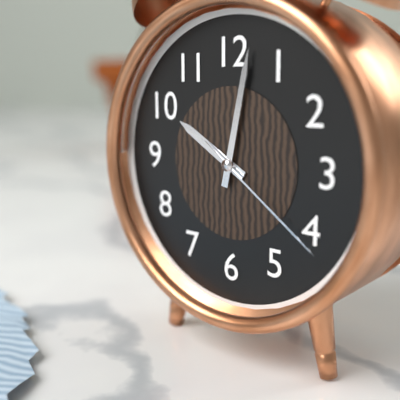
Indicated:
10 h 02 min 21 s
